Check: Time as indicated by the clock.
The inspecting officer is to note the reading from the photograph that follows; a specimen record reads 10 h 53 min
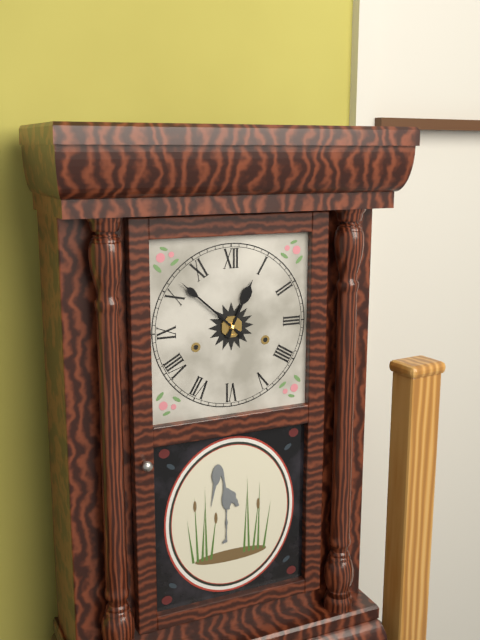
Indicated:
12 h 52 min
